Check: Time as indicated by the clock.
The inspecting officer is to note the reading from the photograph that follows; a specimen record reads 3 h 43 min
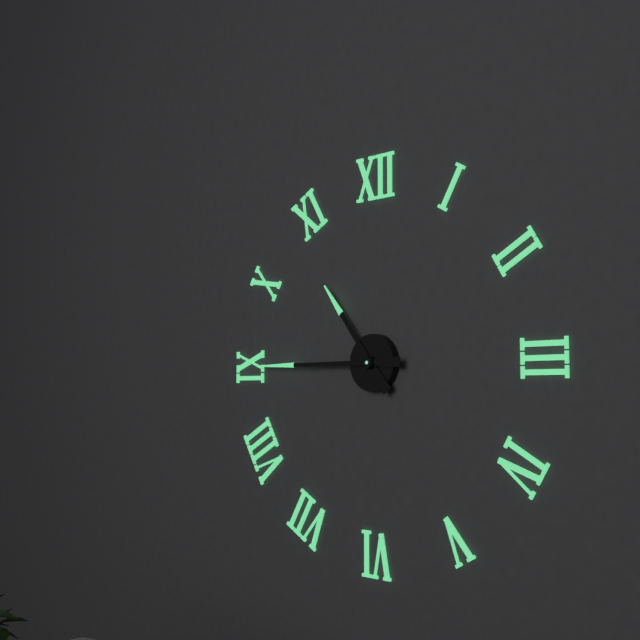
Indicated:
10 h 45 min
